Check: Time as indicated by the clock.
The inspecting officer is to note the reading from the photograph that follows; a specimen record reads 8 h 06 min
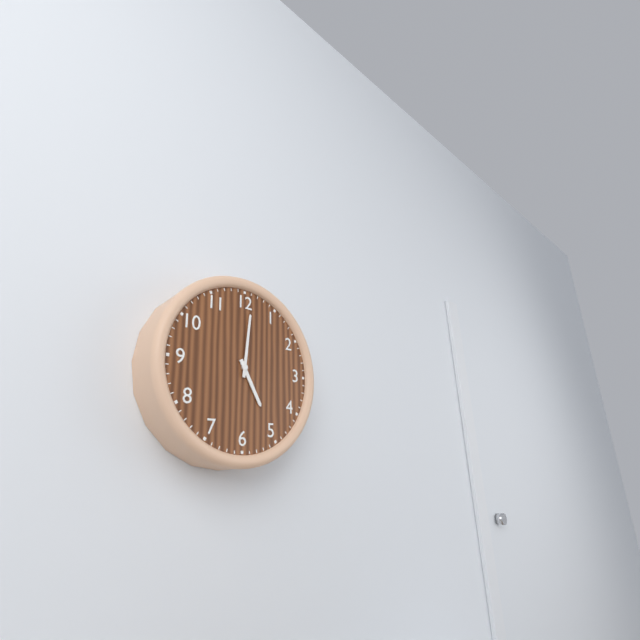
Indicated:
5 h 01 min
